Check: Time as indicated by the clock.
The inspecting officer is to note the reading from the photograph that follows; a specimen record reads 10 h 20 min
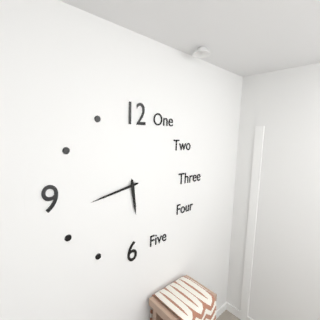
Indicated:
5 h 43 min
